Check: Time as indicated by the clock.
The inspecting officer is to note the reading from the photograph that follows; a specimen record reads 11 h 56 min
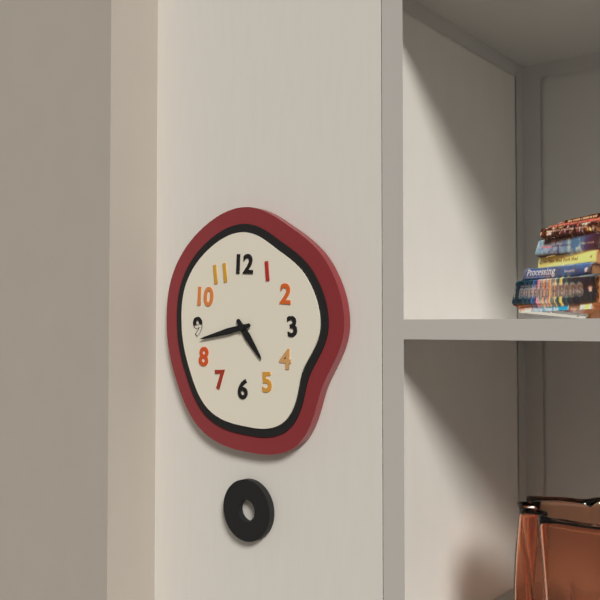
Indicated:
4 h 43 min
